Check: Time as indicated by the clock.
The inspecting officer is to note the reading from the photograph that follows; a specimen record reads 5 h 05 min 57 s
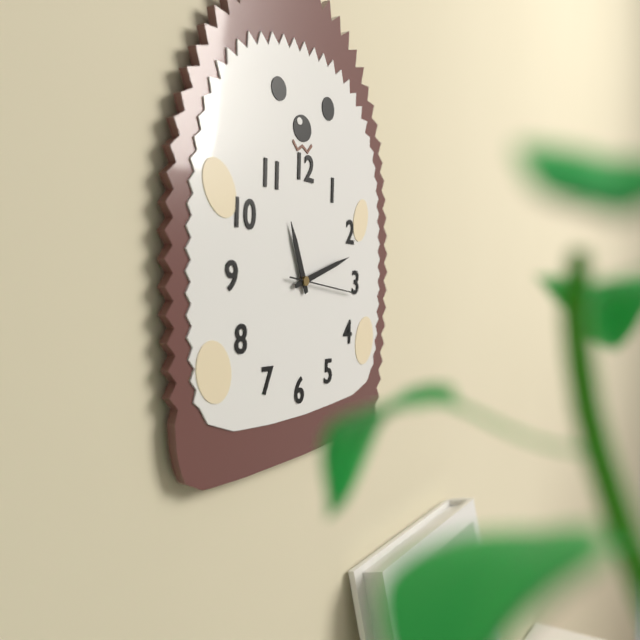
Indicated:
11 h 12 min 16 s
